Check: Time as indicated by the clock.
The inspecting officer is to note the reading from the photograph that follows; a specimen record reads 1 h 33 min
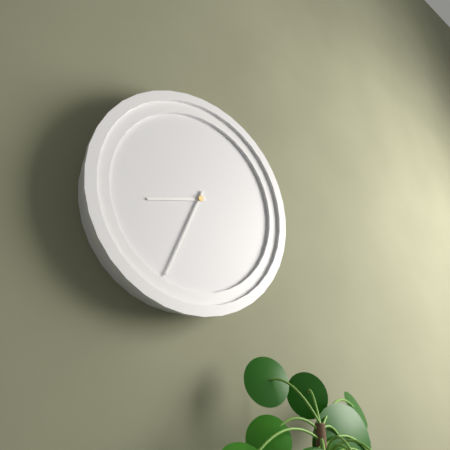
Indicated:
8 h 34 min
